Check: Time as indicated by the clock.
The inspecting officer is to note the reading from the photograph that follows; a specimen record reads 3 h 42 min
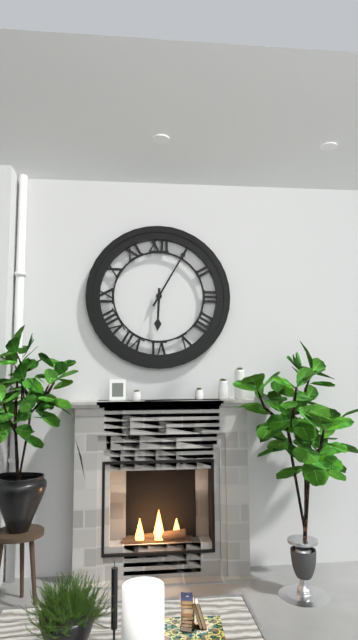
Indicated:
6 h 05 min
